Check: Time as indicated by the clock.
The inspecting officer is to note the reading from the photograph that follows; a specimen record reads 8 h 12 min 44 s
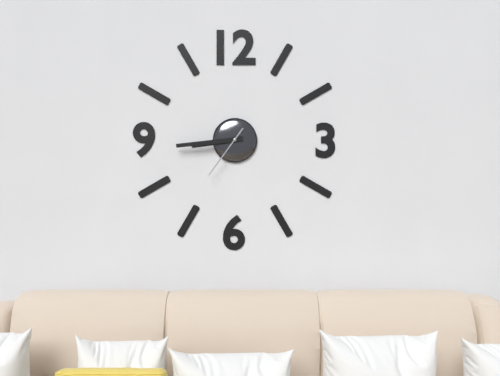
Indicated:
8 h 44 min 36 s
